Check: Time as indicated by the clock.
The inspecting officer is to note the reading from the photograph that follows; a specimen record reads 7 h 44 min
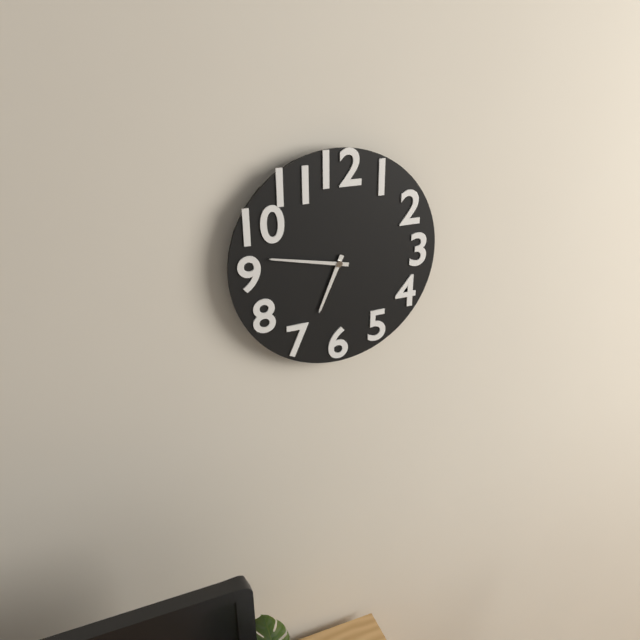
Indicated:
6 h 47 min
